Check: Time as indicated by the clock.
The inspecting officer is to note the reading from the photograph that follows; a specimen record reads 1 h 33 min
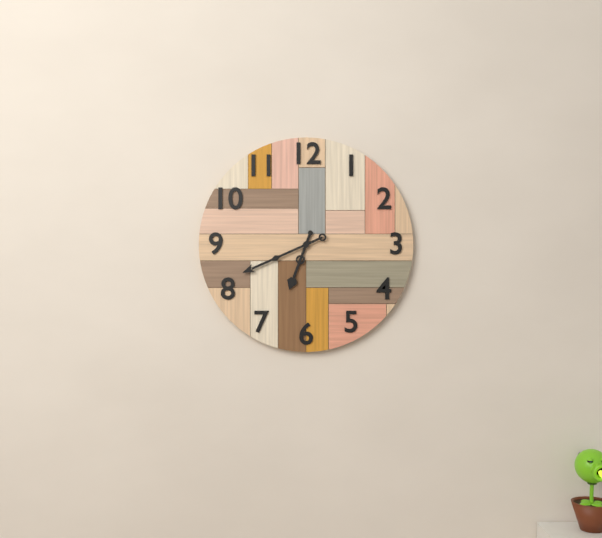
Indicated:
6 h 41 min
